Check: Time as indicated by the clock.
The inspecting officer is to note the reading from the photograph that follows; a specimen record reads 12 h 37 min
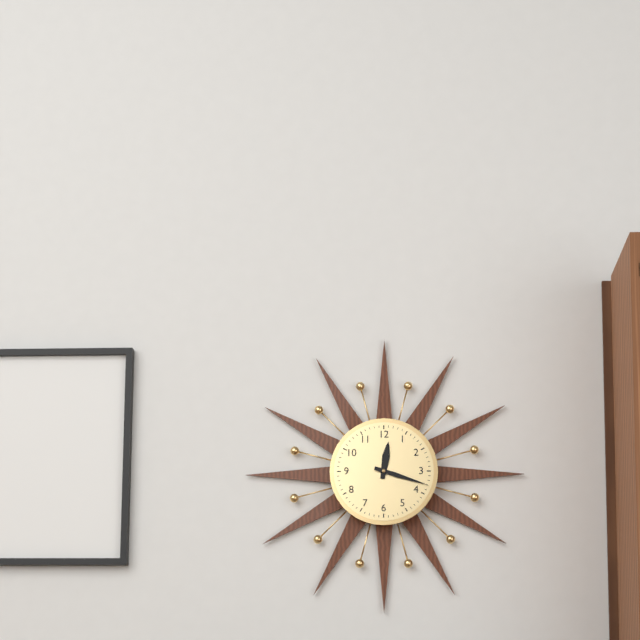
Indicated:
12 h 18 min
